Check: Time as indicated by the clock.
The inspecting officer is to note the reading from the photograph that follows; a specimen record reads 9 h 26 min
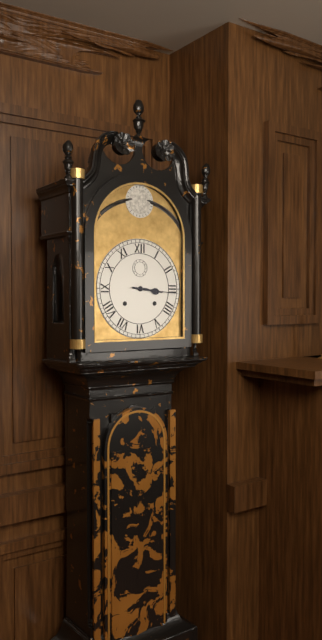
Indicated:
3 h 16 min
